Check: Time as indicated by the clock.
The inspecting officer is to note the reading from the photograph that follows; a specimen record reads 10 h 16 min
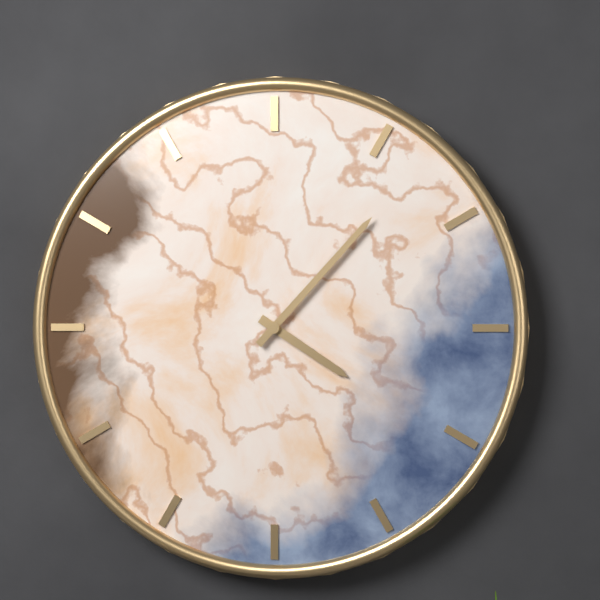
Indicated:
4 h 07 min
